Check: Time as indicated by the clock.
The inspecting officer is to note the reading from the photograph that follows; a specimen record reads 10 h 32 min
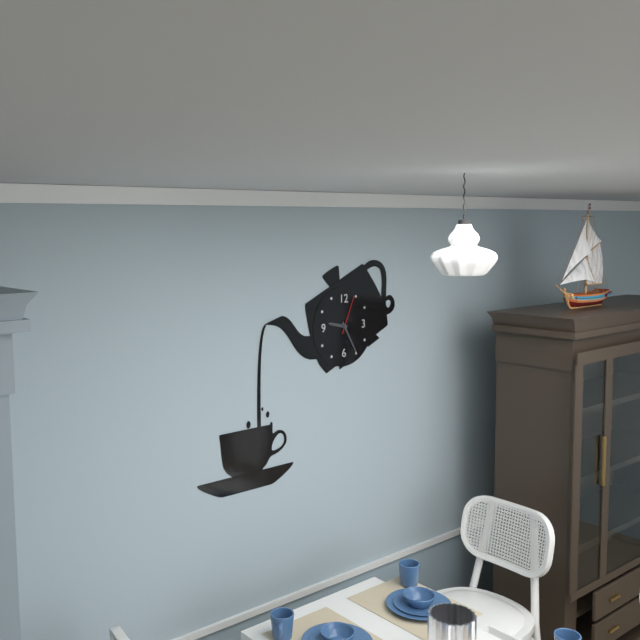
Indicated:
9 h 25 min
